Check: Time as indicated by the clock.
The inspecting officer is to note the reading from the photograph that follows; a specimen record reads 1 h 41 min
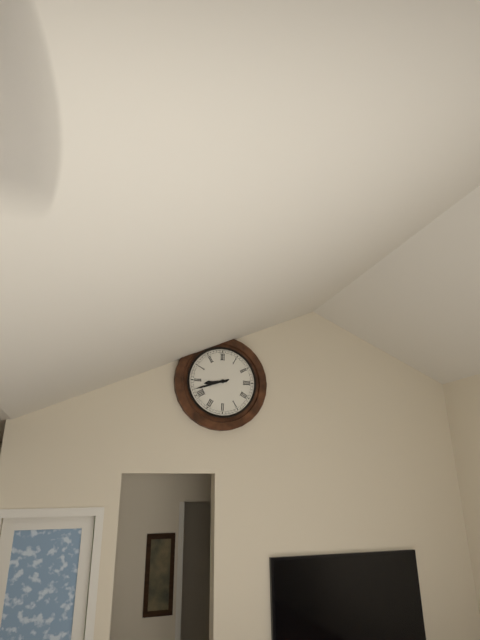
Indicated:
8 h 42 min
